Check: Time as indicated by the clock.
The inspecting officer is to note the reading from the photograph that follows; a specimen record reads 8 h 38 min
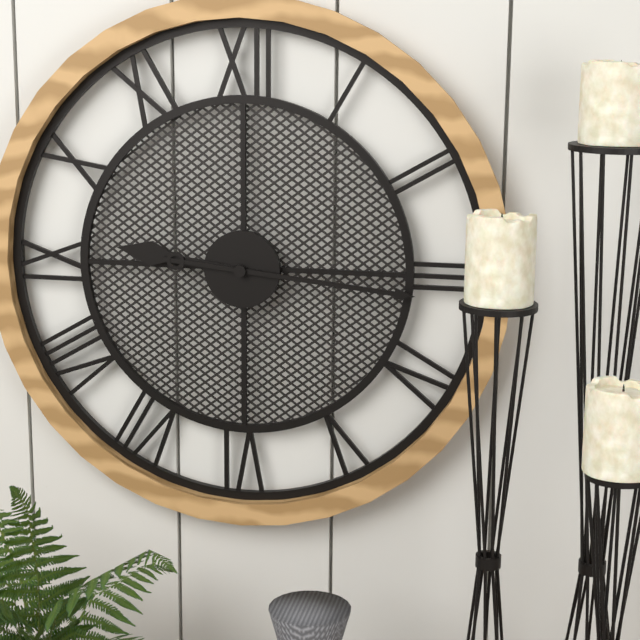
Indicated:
9 h 16 min
